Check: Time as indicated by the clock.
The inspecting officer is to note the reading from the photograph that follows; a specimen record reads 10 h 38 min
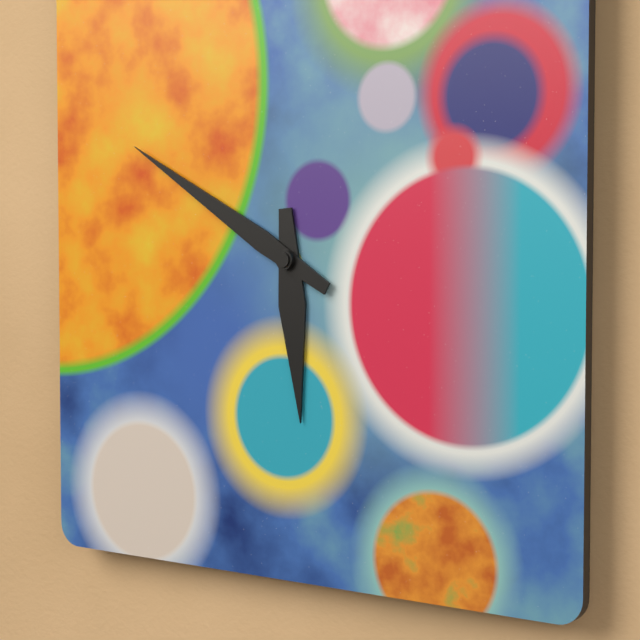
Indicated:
5 h 50 min
